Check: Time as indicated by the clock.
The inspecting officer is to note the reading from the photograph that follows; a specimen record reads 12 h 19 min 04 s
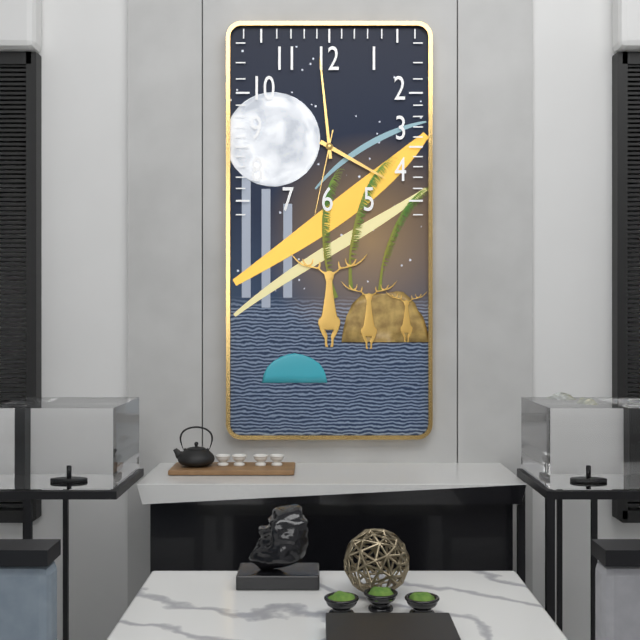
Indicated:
3 h 59 min 32 s
